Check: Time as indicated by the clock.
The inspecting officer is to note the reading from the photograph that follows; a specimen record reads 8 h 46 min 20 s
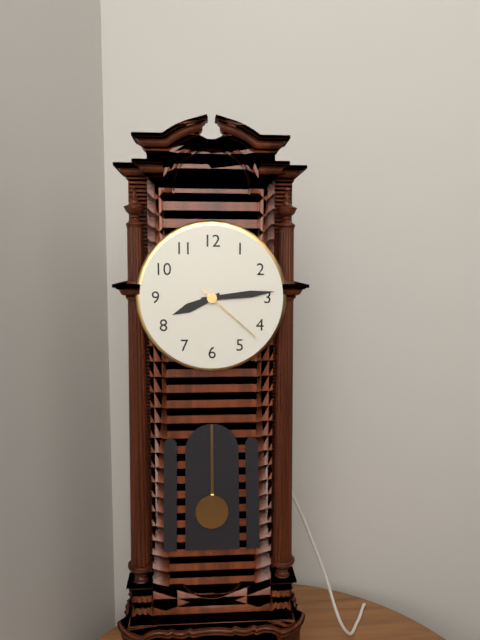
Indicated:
8 h 14 min 22 s
